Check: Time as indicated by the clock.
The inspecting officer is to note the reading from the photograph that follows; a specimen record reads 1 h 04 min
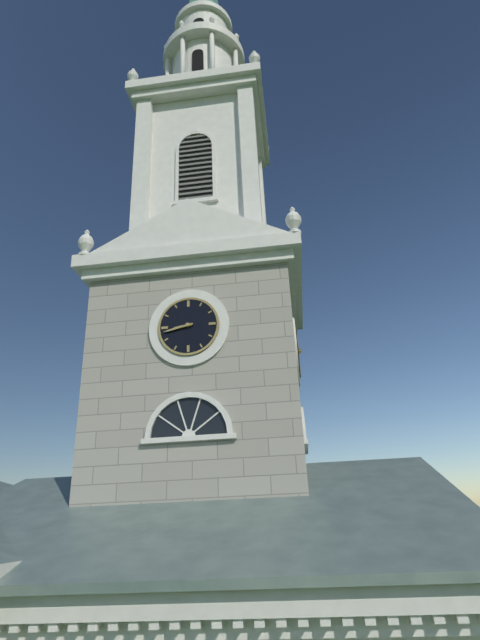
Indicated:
8 h 43 min
